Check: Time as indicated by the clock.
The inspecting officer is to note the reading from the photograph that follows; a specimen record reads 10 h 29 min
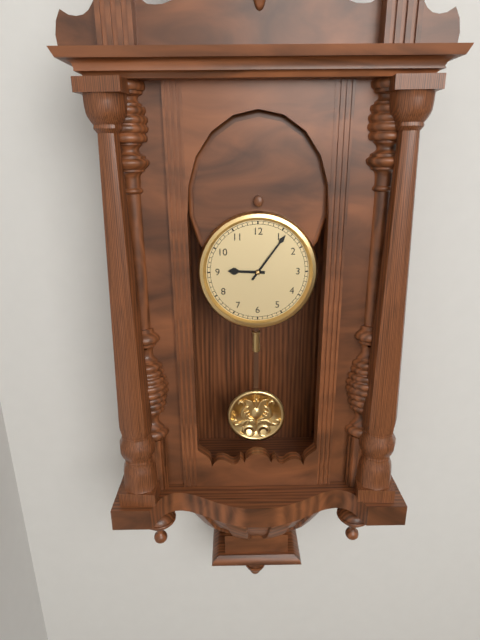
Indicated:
9 h 06 min
